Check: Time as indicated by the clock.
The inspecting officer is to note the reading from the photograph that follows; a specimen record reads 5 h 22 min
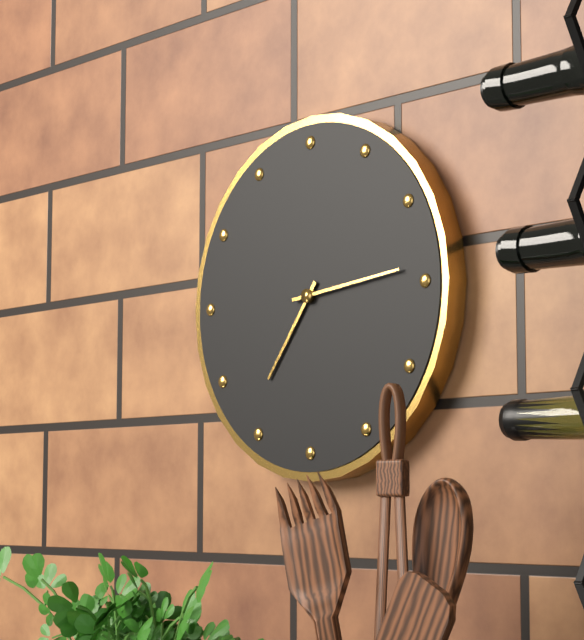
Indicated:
7 h 14 min
